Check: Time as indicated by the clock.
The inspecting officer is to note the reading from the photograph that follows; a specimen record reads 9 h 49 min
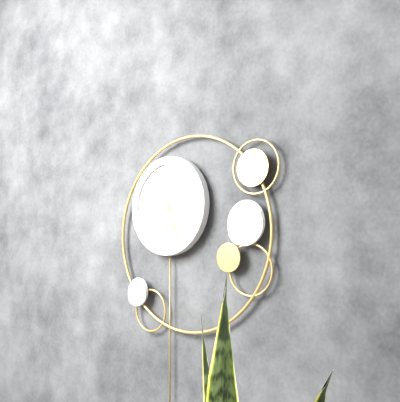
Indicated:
4 h 26 min
